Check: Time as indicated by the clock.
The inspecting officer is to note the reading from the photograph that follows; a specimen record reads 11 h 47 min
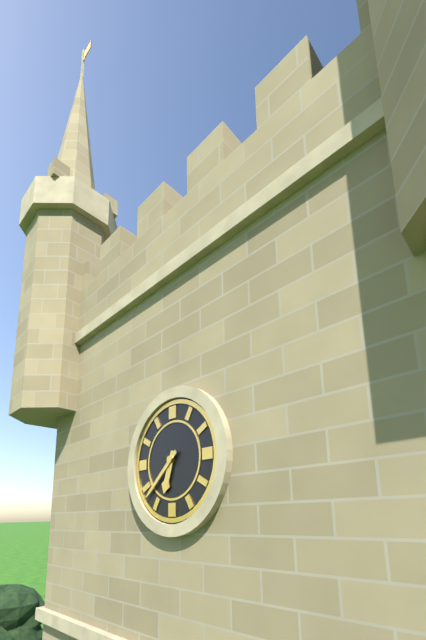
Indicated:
6 h 38 min
